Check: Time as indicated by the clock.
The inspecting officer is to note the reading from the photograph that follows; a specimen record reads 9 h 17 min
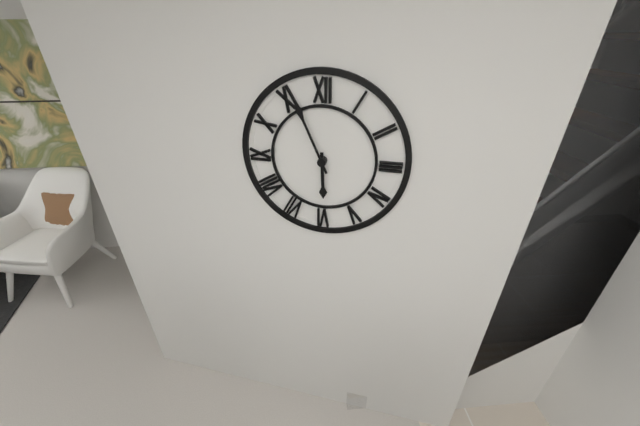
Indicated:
5 h 56 min
